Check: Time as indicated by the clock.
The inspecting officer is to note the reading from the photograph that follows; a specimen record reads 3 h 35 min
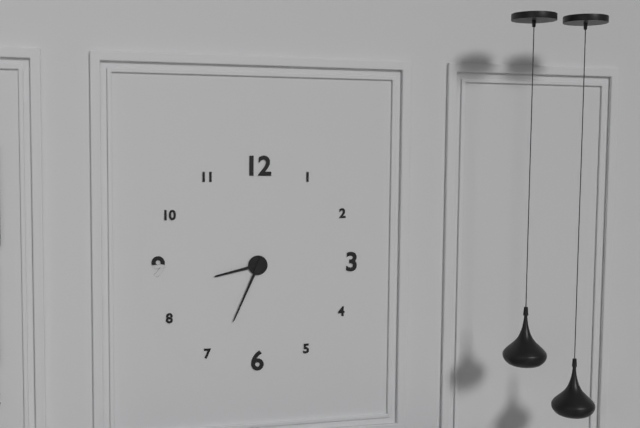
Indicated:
8 h 34 min
